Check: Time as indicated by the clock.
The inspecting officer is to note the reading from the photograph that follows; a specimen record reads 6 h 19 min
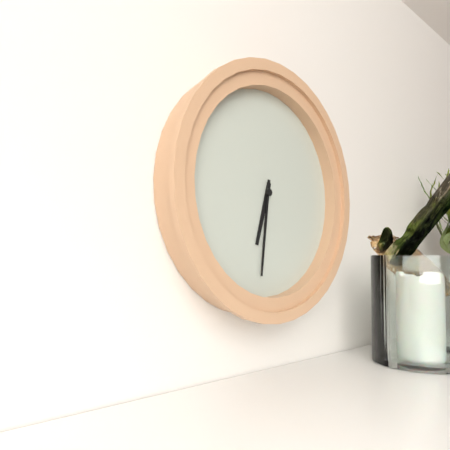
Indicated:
6 h 31 min
